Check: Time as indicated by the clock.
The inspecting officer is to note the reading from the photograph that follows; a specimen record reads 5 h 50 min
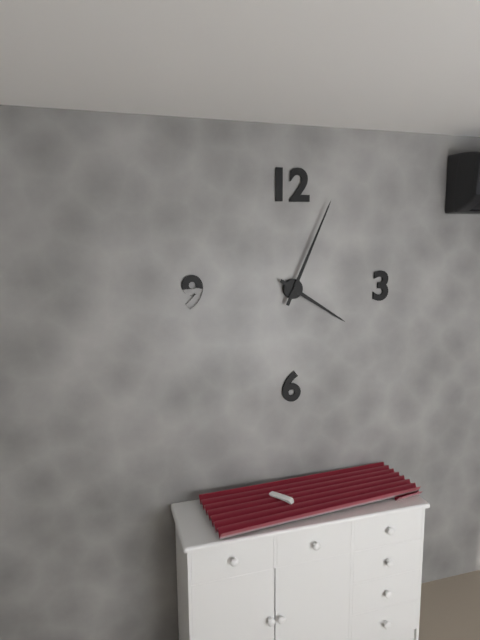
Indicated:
4 h 04 min
